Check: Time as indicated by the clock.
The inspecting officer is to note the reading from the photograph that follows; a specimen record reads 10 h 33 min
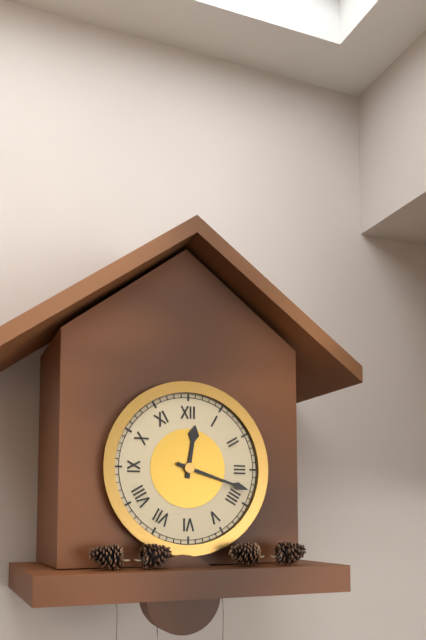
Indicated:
12 h 18 min
